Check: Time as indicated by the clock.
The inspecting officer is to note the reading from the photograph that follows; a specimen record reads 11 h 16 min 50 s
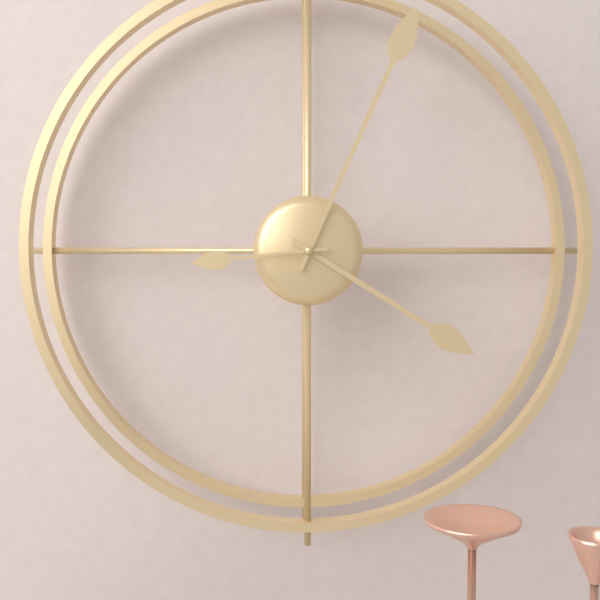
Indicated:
4 h 04 min 44 s
